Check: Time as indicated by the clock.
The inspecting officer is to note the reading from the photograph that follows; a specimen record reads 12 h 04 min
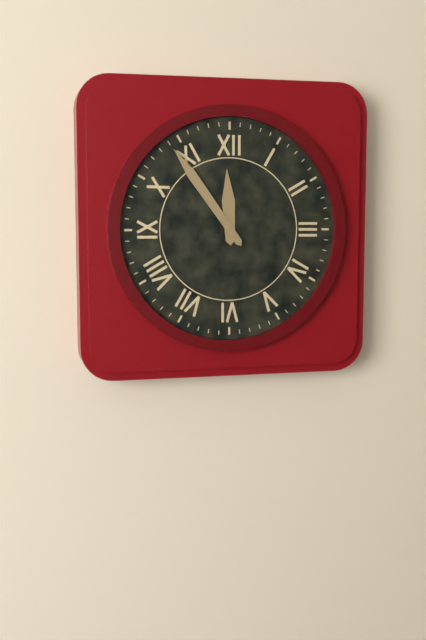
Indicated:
11 h 54 min
